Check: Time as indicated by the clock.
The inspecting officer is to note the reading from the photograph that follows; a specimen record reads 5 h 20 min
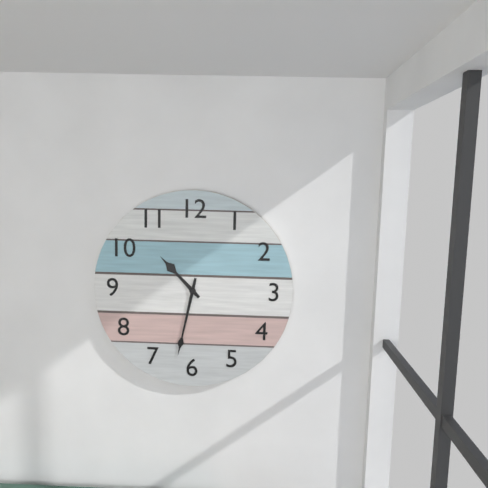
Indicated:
10 h 32 min
